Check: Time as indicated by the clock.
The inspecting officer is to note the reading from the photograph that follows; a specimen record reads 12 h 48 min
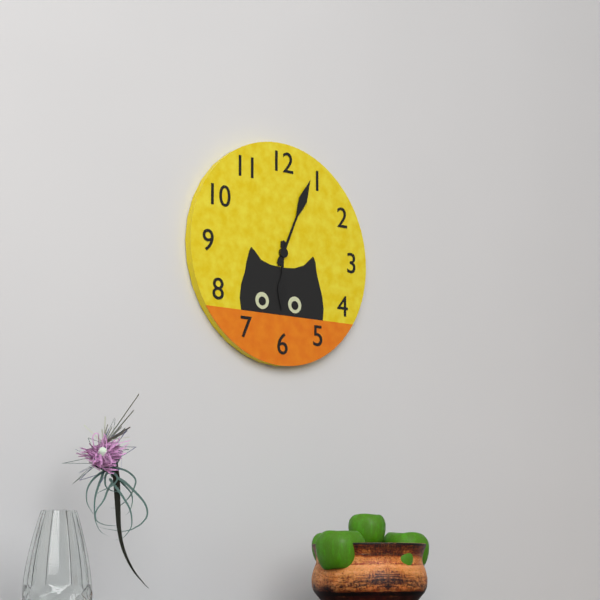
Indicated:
6 h 04 min
